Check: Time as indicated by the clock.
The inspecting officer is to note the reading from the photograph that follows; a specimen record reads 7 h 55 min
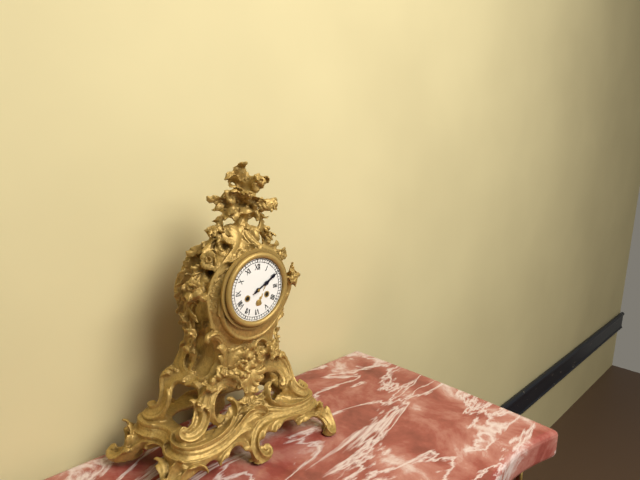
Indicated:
2 h 10 min
